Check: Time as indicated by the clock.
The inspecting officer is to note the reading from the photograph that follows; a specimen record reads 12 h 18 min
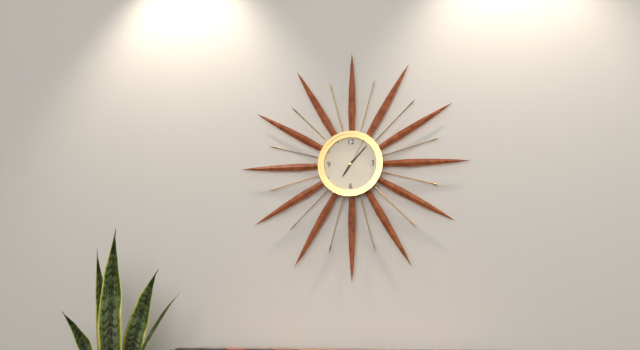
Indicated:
7 h 07 min
